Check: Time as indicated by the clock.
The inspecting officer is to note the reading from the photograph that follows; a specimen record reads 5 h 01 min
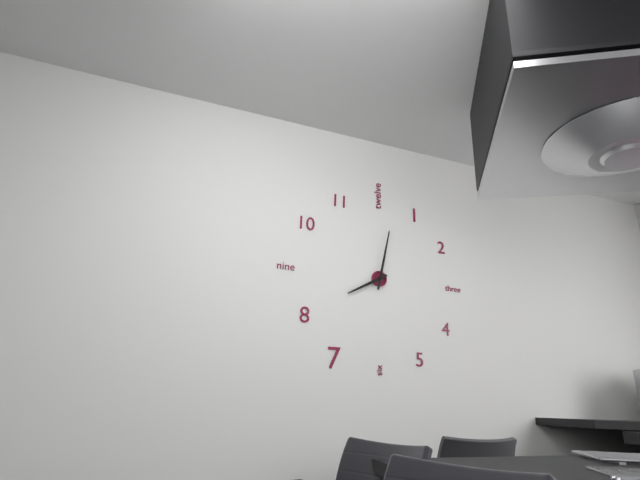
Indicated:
8 h 02 min
